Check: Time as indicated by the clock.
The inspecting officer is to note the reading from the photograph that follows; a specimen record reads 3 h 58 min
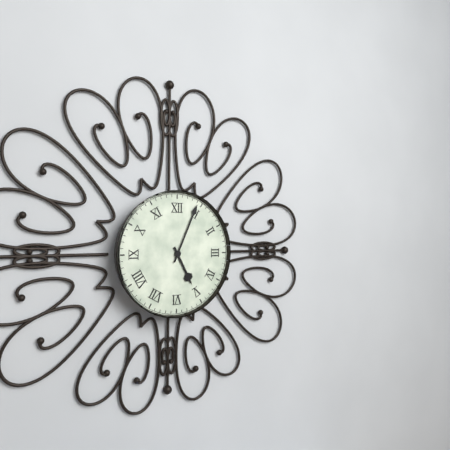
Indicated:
5 h 04 min
